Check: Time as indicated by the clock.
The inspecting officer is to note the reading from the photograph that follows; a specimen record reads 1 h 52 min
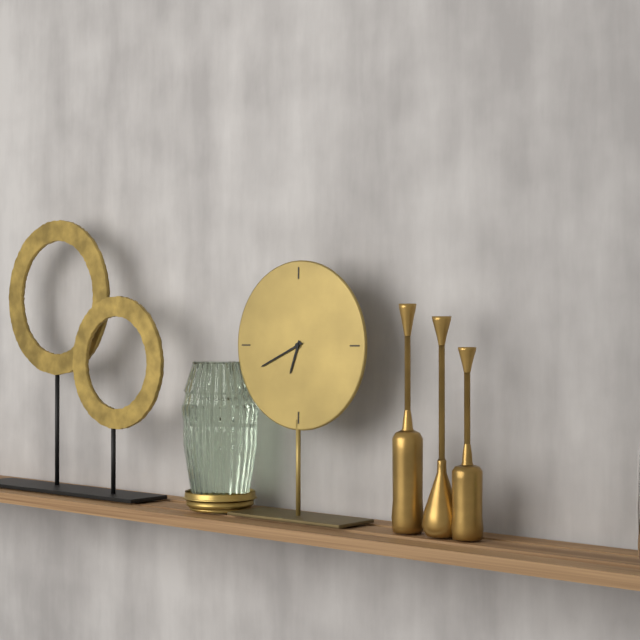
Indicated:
6 h 41 min
